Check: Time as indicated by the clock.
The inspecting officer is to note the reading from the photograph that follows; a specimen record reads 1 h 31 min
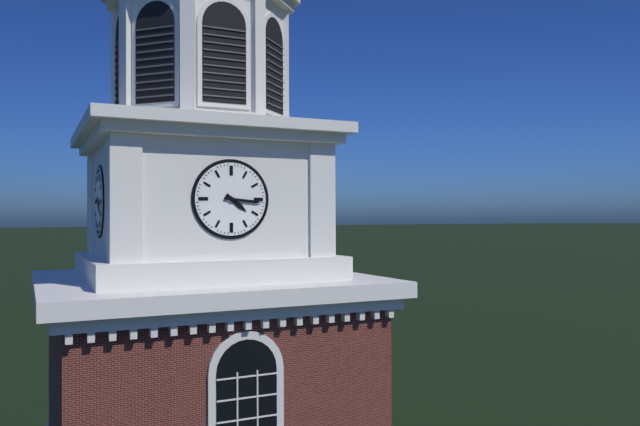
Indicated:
4 h 16 min
